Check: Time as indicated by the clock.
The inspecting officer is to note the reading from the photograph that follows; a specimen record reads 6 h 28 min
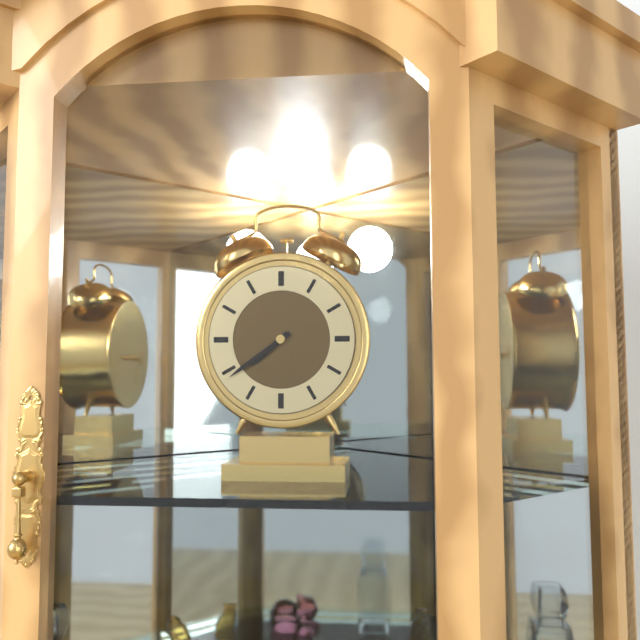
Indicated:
7 h 39 min
